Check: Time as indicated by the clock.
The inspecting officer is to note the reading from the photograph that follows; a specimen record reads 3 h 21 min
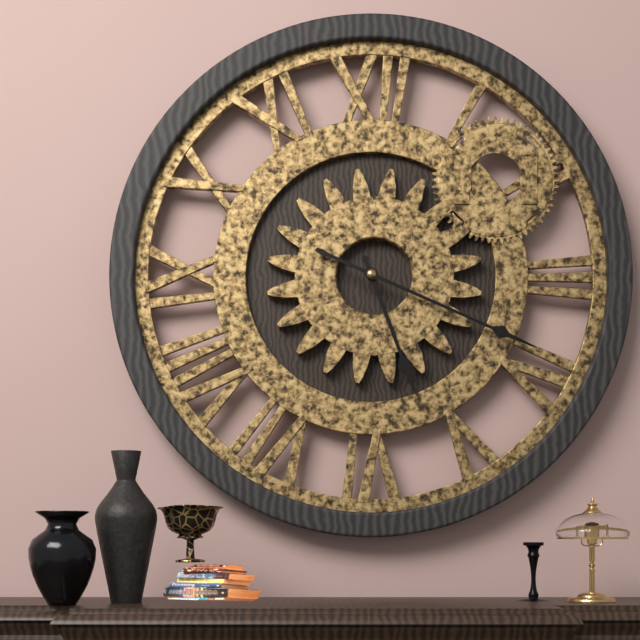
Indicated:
5 h 19 min
